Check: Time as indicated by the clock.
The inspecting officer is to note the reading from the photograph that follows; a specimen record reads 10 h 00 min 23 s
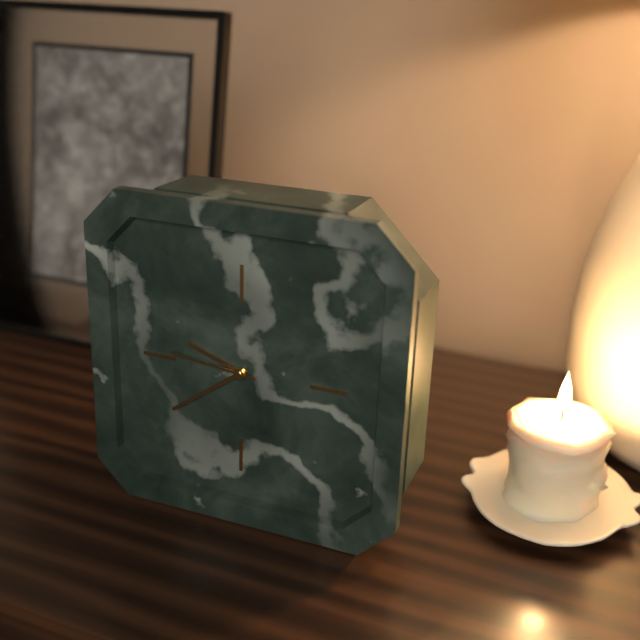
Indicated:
9 h 39 min 46 s
